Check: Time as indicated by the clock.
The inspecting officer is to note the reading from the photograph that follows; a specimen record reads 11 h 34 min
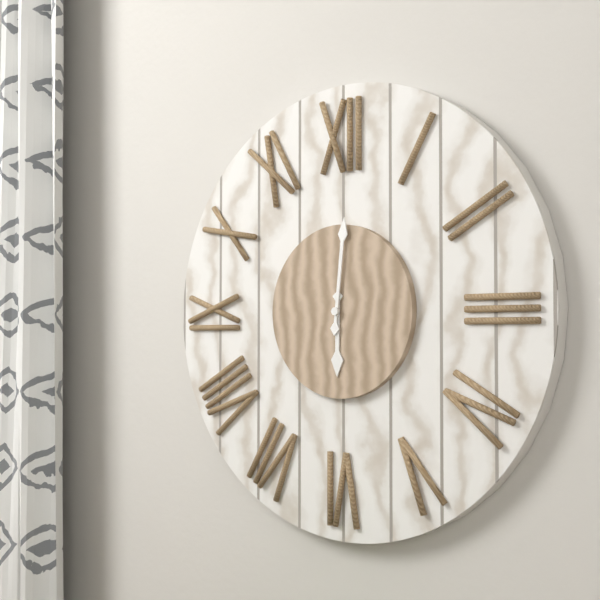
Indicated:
6 h 01 min
